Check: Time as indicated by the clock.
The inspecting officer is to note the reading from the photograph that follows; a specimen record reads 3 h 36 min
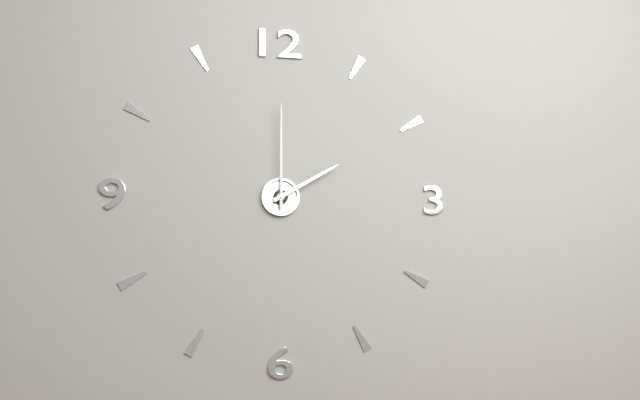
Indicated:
2 h 00 min
